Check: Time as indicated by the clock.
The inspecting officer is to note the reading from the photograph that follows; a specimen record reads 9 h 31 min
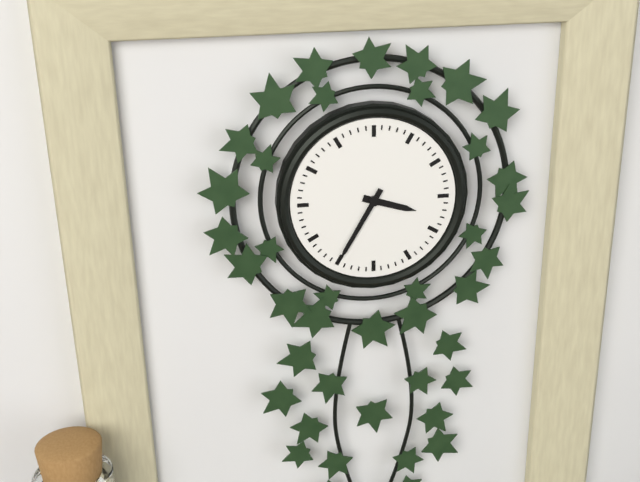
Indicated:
3 h 35 min
